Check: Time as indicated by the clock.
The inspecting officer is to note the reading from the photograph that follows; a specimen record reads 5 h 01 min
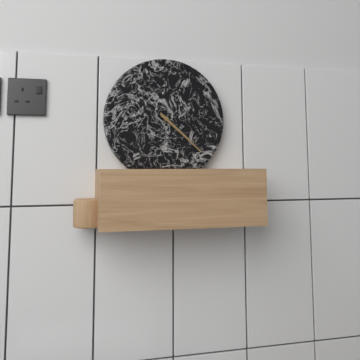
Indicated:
4 h 22 min
